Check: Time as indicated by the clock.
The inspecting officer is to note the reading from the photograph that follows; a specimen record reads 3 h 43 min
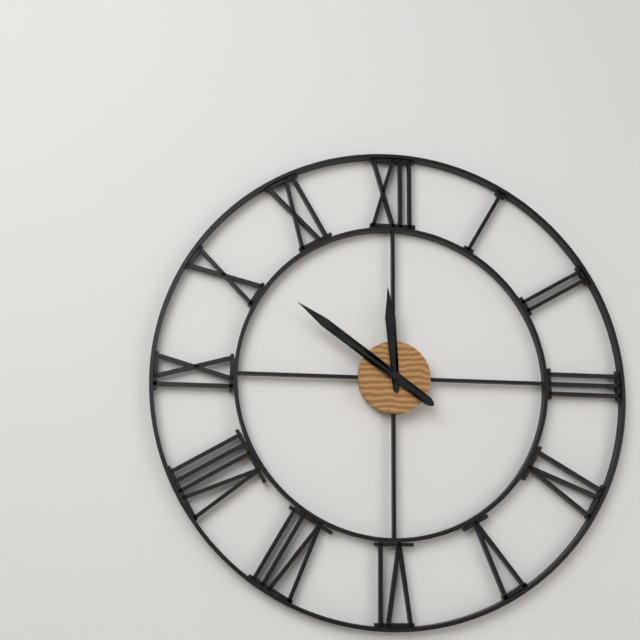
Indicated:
11 h 51 min
